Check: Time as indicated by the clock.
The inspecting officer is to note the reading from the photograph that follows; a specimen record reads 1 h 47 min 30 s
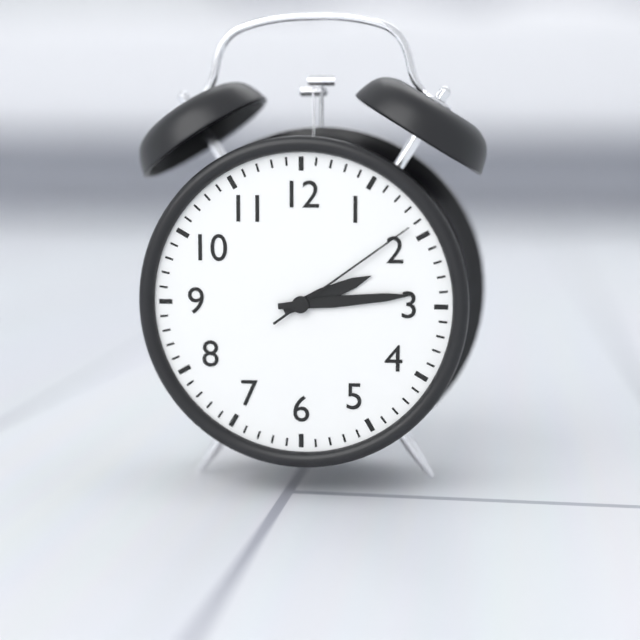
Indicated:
2 h 14 min 09 s
